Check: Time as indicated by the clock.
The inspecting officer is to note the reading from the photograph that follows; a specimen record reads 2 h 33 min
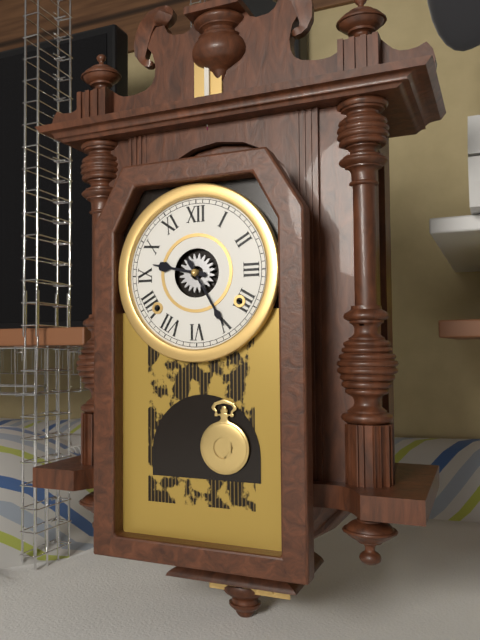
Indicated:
9 h 25 min
